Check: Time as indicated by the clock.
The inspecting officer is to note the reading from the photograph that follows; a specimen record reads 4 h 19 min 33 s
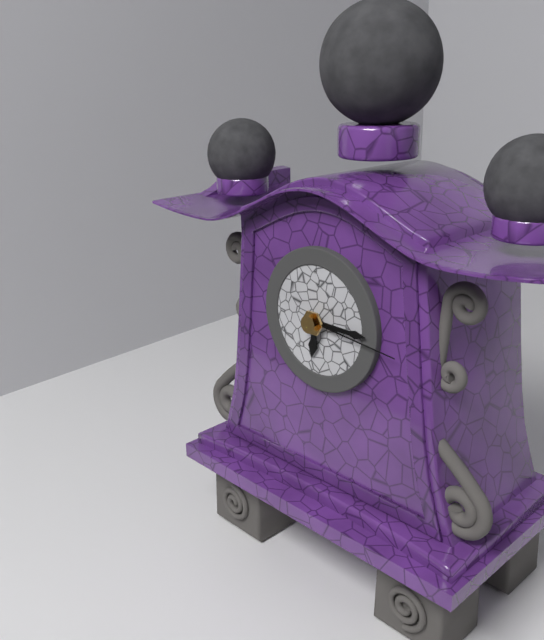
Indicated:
6 h 15 min 16 s
